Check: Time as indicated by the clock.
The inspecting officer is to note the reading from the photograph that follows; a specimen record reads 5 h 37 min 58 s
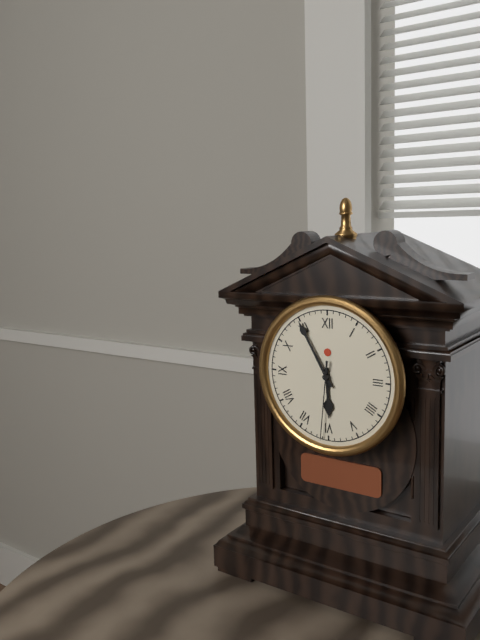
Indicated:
5 h 55 min 31 s
